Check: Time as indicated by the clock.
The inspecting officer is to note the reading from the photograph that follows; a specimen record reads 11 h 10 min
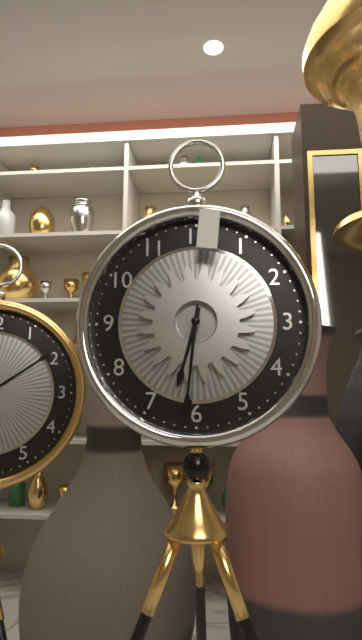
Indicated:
6 h 31 min
